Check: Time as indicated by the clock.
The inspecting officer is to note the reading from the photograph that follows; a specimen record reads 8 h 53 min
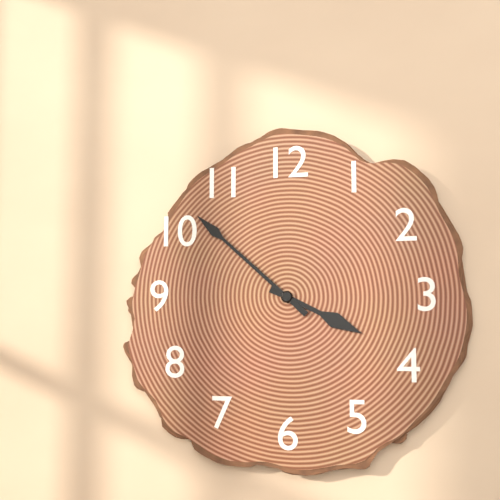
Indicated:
3 h 52 min
